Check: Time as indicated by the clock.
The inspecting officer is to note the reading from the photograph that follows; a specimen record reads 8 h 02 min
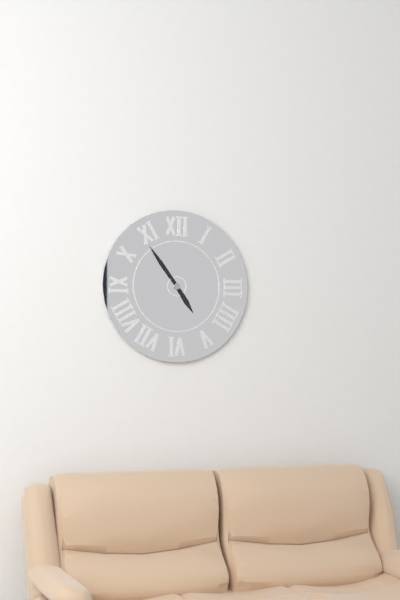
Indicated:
4 h 54 min
